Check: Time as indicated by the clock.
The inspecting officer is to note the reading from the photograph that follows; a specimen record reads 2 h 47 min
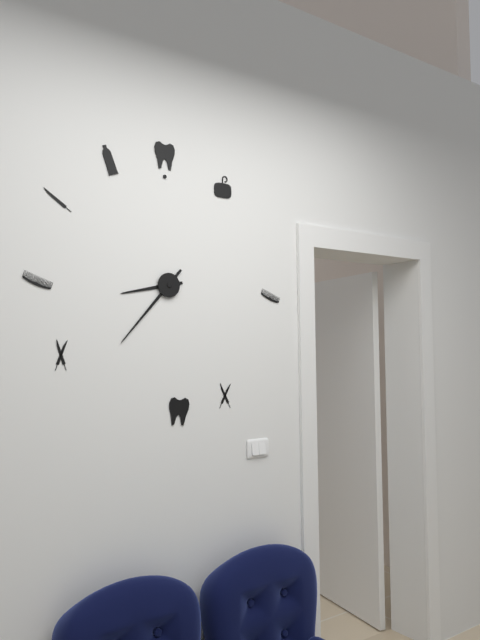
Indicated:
8 h 37 min
